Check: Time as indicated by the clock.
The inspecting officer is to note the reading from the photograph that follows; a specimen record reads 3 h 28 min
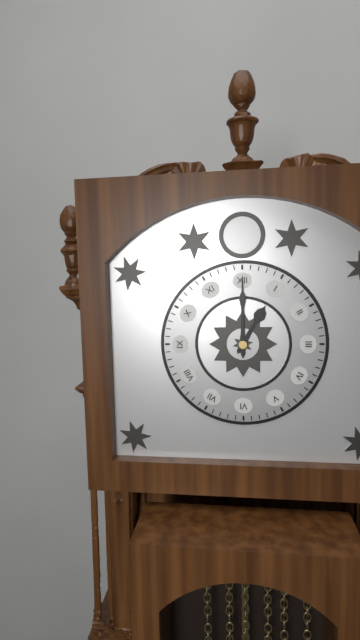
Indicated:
1 h 00 min
